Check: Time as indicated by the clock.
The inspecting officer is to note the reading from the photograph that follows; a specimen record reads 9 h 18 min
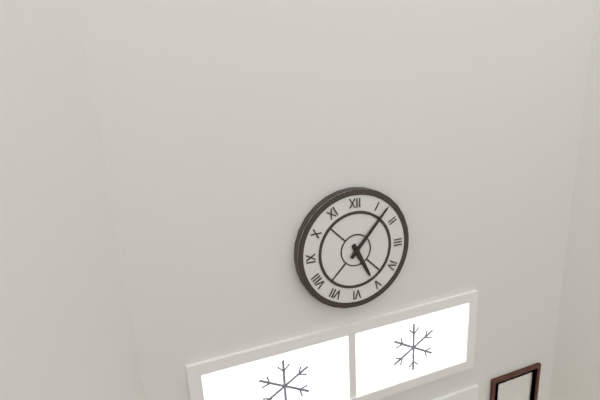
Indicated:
5 h 07 min
